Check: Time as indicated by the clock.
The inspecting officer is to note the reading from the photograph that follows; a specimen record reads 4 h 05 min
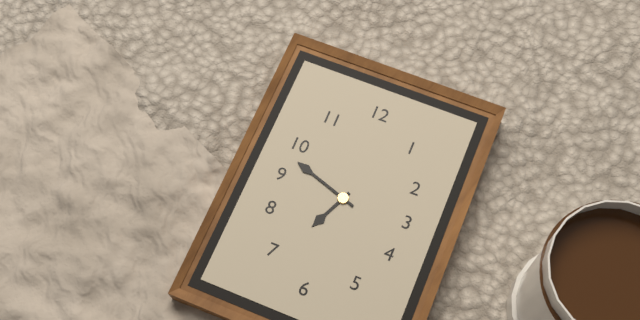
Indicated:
6 h 48 min
